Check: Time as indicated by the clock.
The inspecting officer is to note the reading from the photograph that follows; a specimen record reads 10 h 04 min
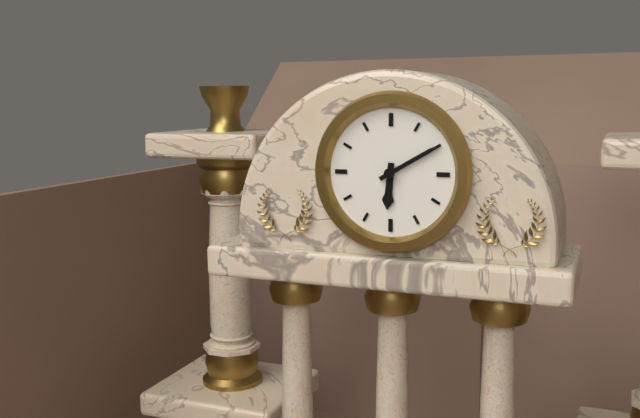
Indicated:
6 h 10 min
